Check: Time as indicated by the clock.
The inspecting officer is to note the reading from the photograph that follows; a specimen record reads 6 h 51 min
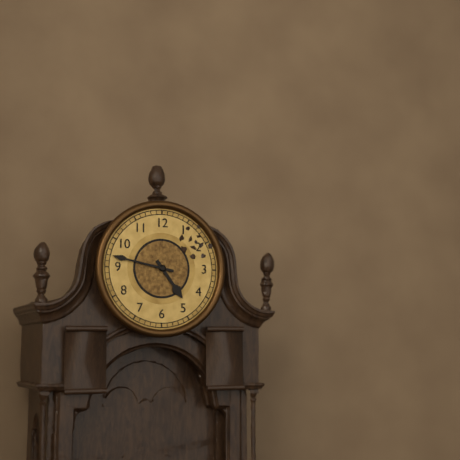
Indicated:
4 h 47 min
